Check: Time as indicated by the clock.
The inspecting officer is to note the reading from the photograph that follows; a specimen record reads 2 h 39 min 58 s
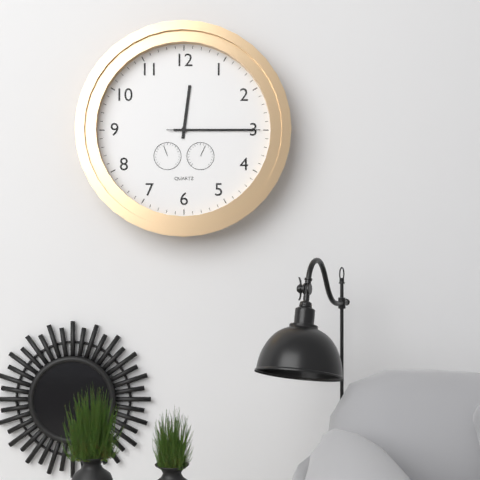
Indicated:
12 h 15 min 15 s
